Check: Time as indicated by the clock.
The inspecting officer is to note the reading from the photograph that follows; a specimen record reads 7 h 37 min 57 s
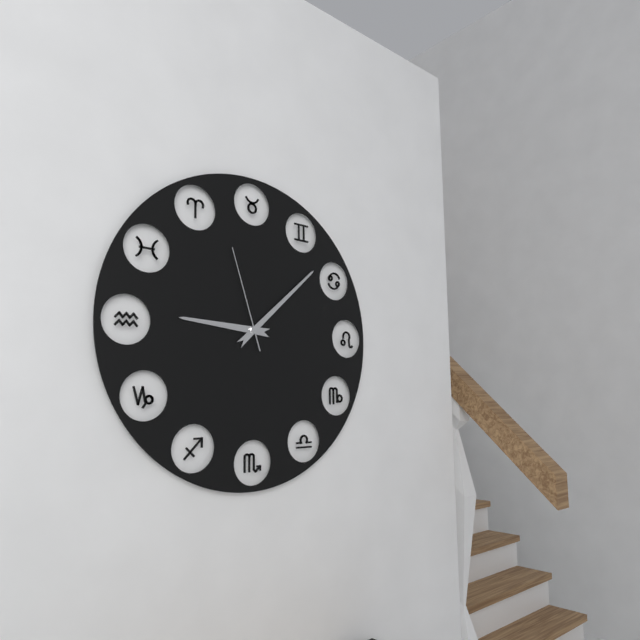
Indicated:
9 h 08 min 57 s
